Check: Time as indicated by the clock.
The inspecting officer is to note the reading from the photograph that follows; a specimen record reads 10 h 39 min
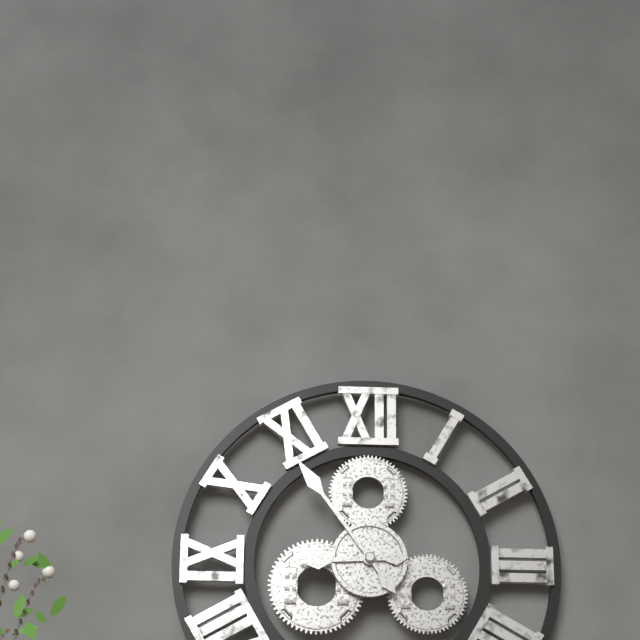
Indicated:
8 h 54 min
